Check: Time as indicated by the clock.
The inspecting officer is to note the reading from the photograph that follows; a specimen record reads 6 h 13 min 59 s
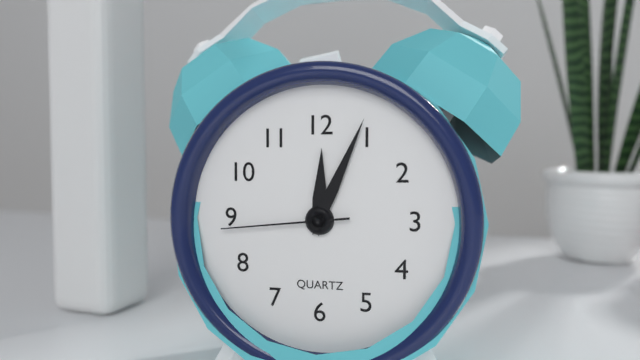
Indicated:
12 h 04 min 44 s
